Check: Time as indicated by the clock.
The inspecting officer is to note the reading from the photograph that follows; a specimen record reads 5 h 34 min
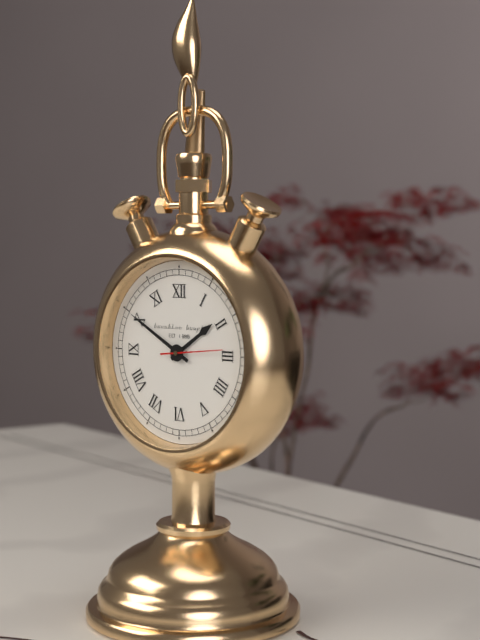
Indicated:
1 h 50 min
